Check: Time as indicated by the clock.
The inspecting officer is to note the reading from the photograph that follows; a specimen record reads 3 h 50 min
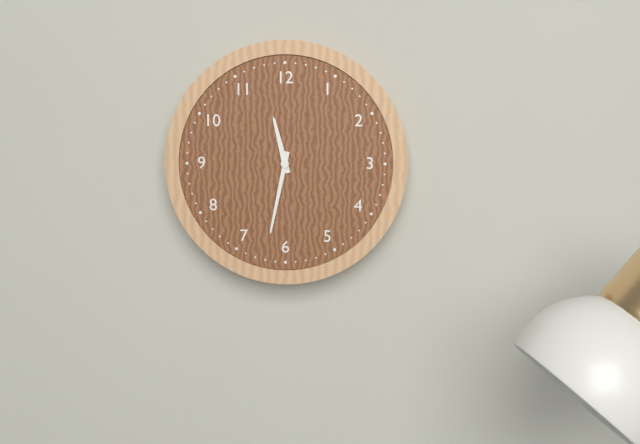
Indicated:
11 h 32 min
